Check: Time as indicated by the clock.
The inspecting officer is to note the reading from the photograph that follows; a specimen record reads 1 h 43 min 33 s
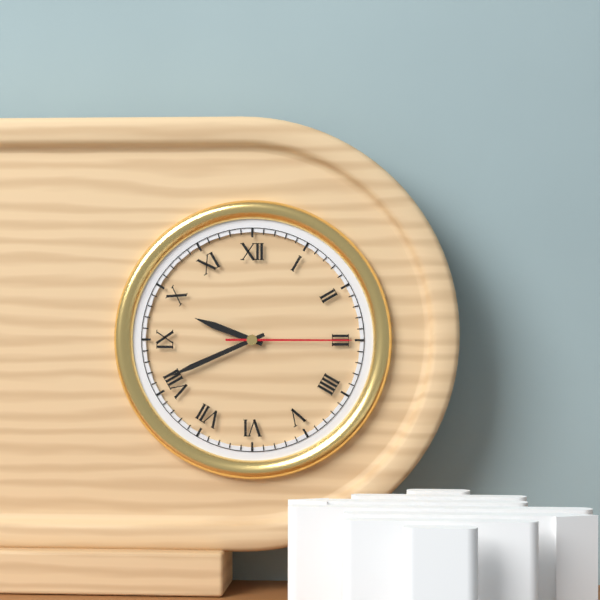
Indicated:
9 h 41 min 15 s
